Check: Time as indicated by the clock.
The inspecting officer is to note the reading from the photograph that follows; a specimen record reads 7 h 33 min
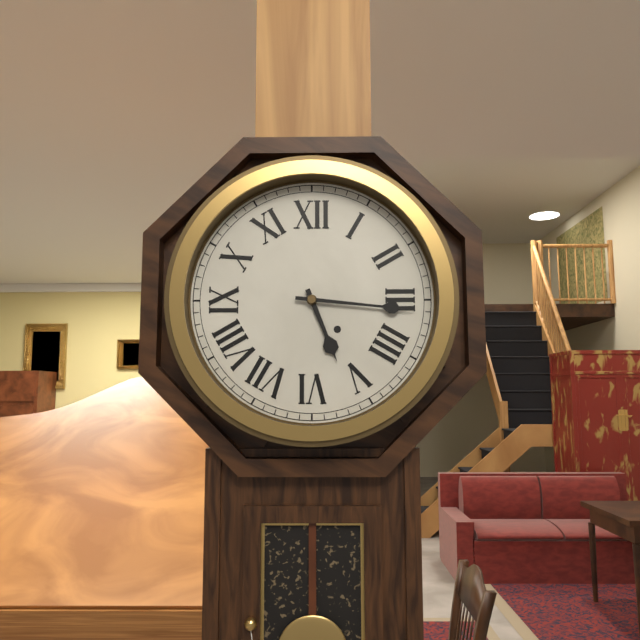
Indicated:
5 h 16 min
